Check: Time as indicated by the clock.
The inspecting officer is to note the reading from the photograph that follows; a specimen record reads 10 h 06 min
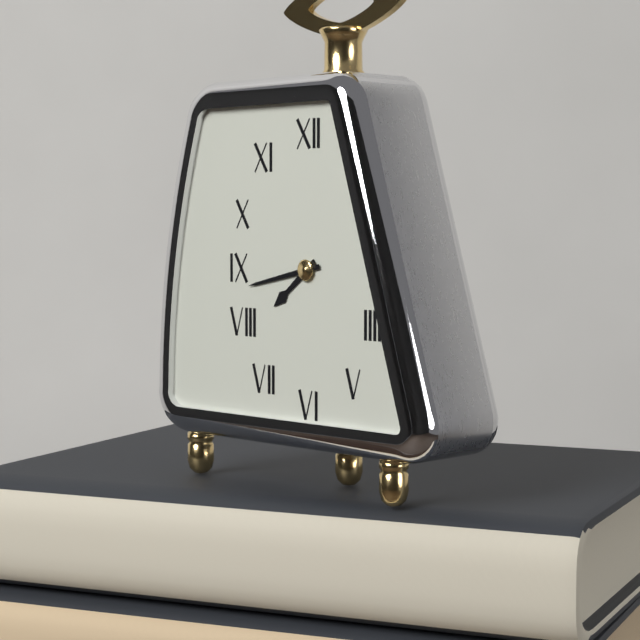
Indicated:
7 h 43 min
